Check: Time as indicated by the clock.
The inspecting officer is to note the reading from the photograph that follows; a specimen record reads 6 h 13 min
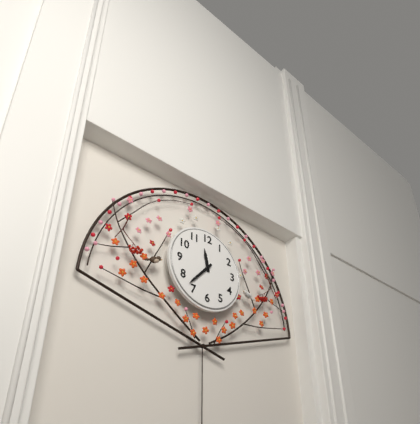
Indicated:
11 h 37 min
